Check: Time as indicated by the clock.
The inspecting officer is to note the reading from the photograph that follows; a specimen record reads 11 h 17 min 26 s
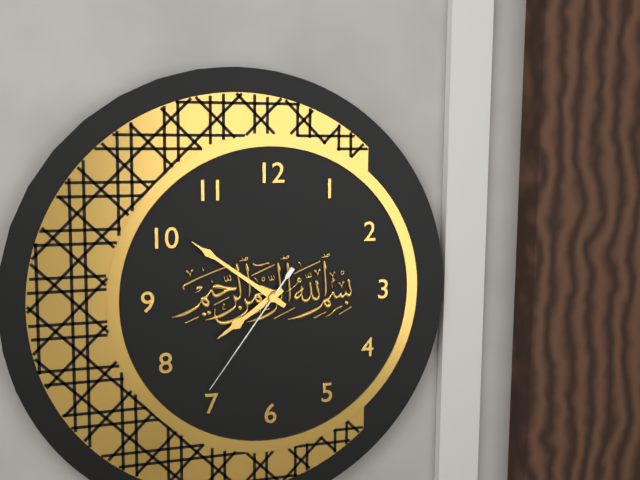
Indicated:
7 h 51 min 36 s
